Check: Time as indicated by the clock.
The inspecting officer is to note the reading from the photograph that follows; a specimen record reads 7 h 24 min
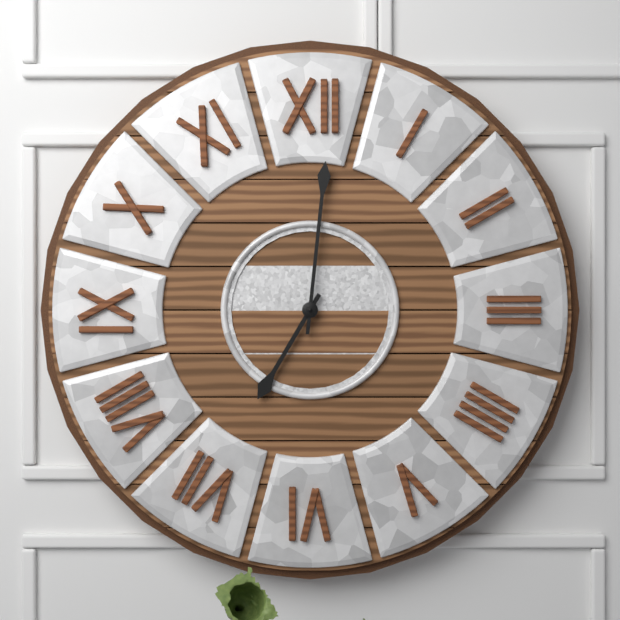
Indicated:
7 h 01 min
